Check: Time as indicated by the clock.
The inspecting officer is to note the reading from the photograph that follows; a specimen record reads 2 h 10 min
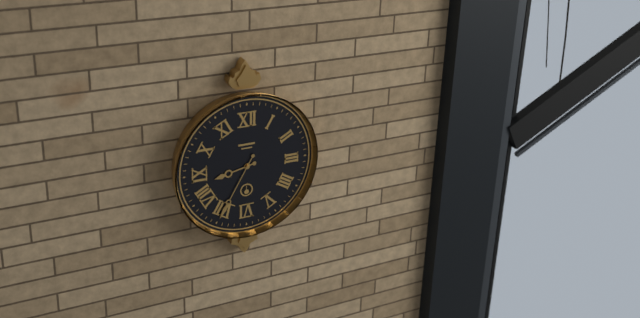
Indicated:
8 h 35 min
